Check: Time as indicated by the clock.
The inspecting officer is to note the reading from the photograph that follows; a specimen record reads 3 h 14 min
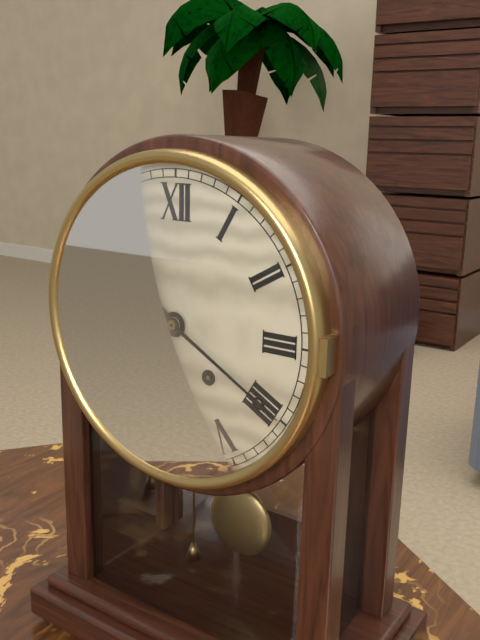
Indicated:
10 h 20 min
